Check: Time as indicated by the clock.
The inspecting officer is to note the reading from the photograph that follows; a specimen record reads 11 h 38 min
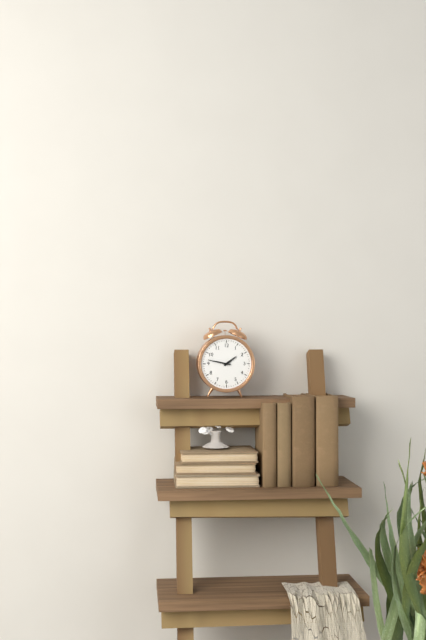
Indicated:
1 h 47 min
